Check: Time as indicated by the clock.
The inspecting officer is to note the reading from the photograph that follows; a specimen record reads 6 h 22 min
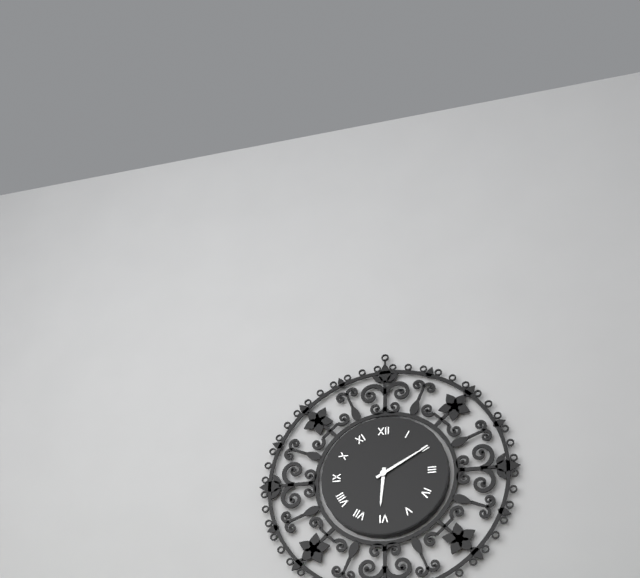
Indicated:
6 h 10 min
